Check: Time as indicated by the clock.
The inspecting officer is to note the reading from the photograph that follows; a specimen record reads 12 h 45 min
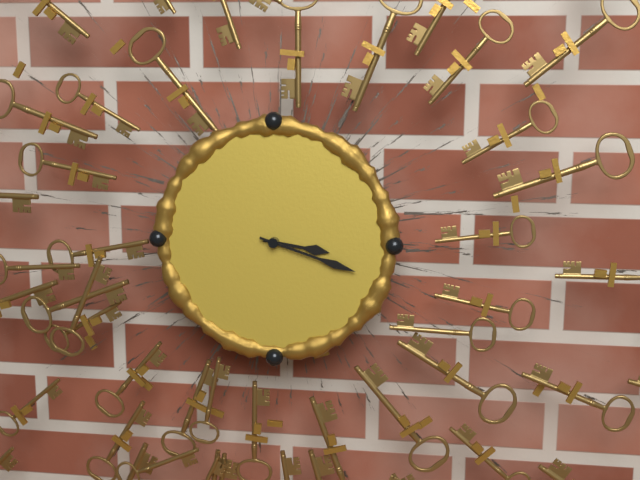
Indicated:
3 h 18 min
